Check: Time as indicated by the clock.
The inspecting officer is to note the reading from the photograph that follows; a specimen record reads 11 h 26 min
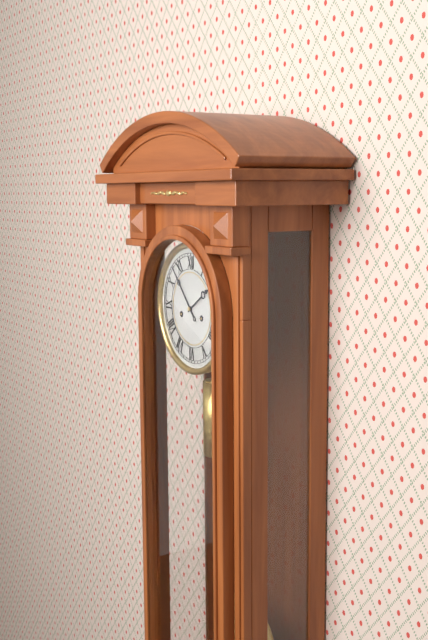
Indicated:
1 h 53 min
